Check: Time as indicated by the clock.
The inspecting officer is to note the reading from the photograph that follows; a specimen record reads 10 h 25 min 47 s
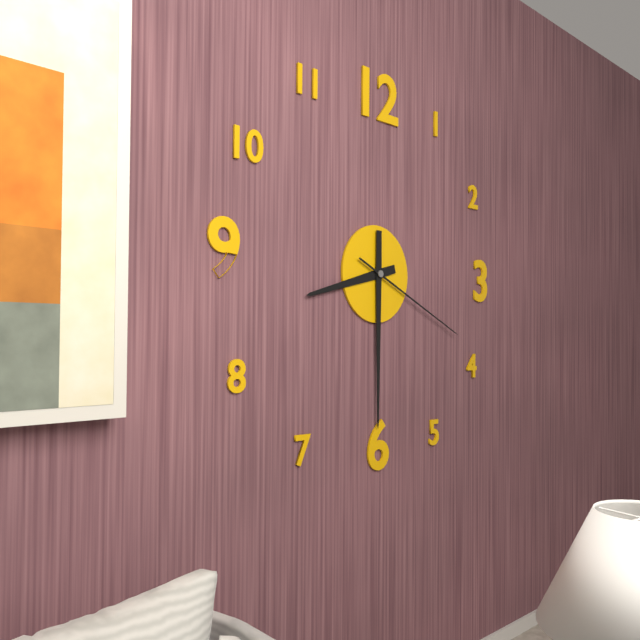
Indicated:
8 h 30 min 19 s
